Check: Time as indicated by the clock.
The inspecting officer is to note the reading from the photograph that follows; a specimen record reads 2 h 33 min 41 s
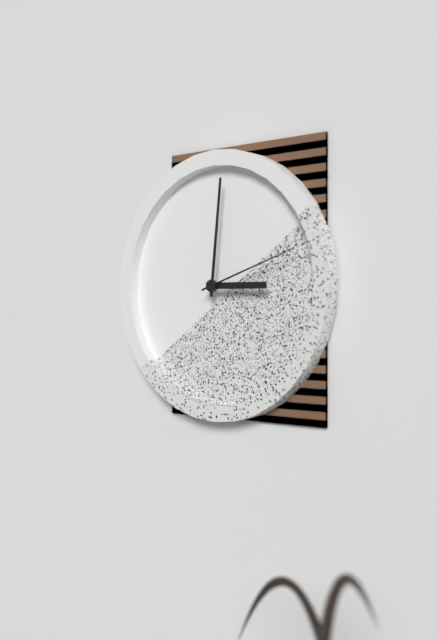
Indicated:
3 h 01 min 12 s
